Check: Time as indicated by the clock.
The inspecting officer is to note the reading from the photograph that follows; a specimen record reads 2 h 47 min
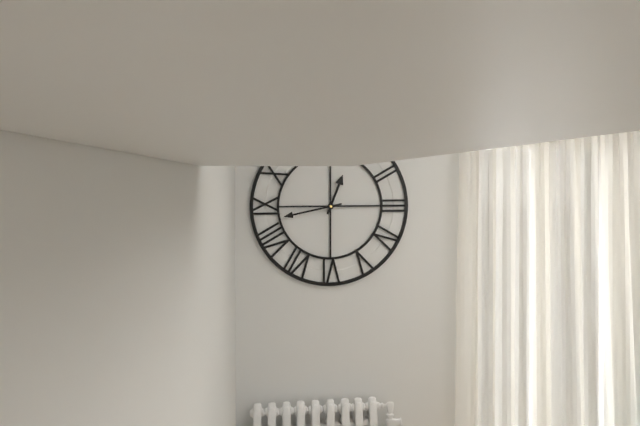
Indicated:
12 h 43 min
